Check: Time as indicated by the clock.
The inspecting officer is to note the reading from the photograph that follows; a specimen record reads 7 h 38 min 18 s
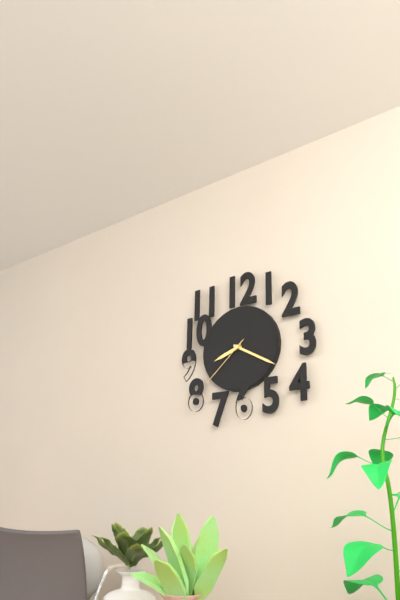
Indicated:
8 h 20 min 38 s
